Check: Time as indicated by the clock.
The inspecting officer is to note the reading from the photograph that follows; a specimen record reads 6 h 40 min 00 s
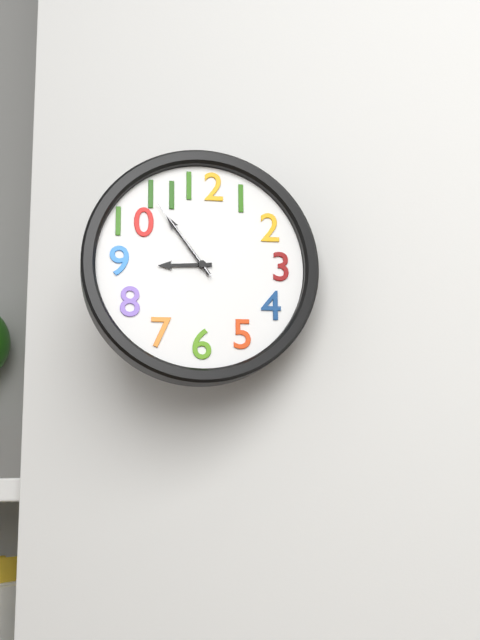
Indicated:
8 h 54 min 54 s
